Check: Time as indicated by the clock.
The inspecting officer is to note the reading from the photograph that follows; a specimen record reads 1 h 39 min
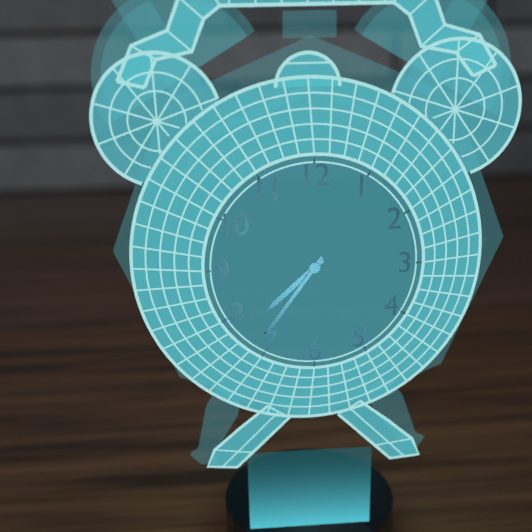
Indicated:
7 h 36 min
